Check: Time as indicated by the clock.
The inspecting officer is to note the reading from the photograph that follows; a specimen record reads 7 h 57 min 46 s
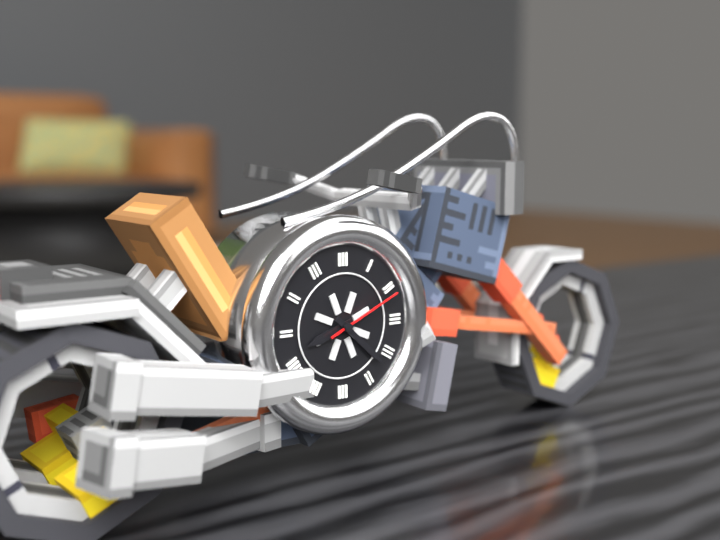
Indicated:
8 h 22 min 11 s
